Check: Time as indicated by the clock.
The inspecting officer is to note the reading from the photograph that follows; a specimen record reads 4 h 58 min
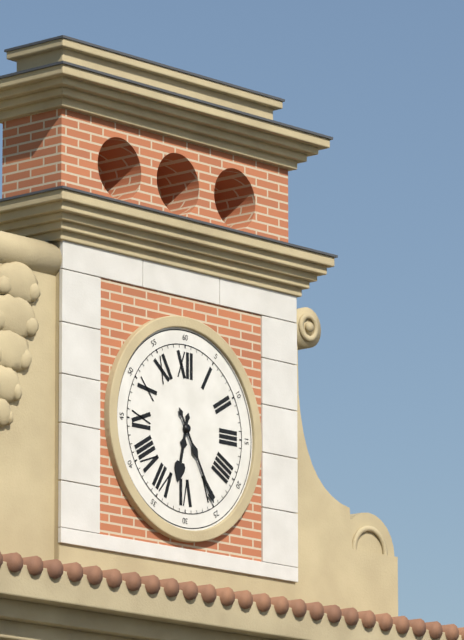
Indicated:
6 h 25 min
